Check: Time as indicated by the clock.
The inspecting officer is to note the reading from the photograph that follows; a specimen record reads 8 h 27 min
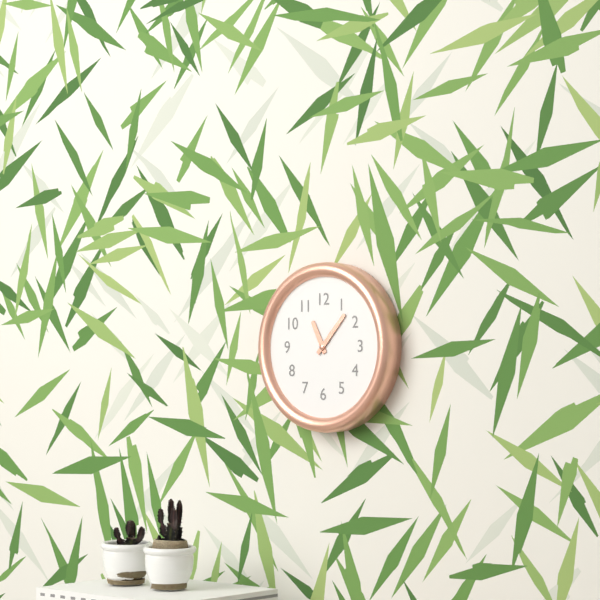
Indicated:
11 h 07 min
